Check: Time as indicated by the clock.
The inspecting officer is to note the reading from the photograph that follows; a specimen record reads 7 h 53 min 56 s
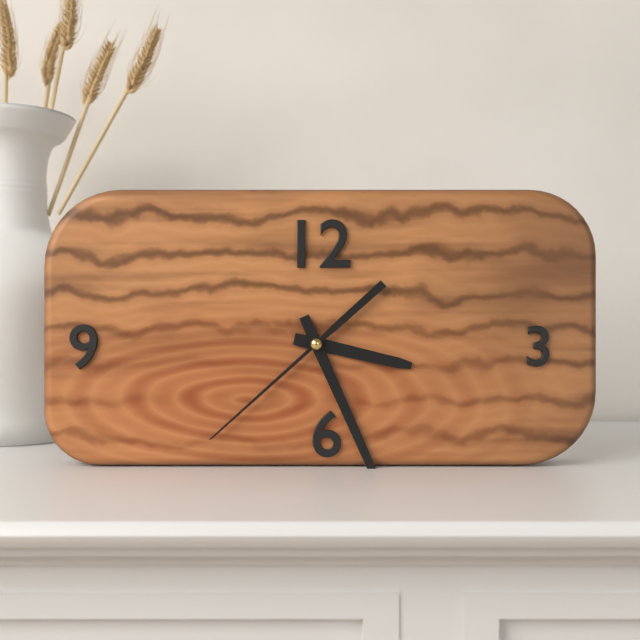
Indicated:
3 h 26 min 38 s
